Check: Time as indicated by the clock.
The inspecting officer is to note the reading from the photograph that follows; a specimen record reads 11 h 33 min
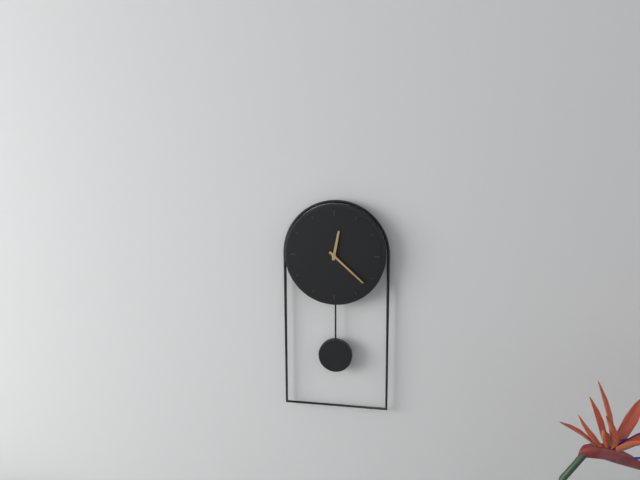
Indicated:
12 h 22 min
